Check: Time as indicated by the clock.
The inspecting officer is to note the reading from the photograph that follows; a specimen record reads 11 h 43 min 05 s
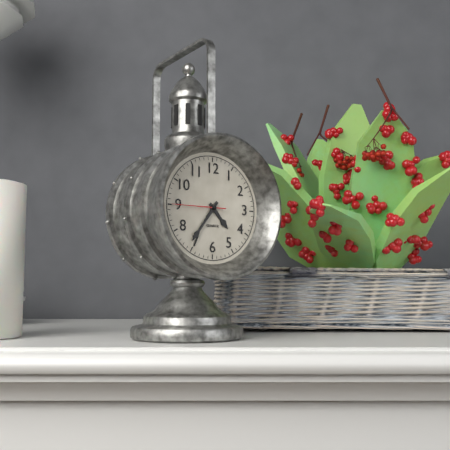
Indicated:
4 h 36 min 45 s
